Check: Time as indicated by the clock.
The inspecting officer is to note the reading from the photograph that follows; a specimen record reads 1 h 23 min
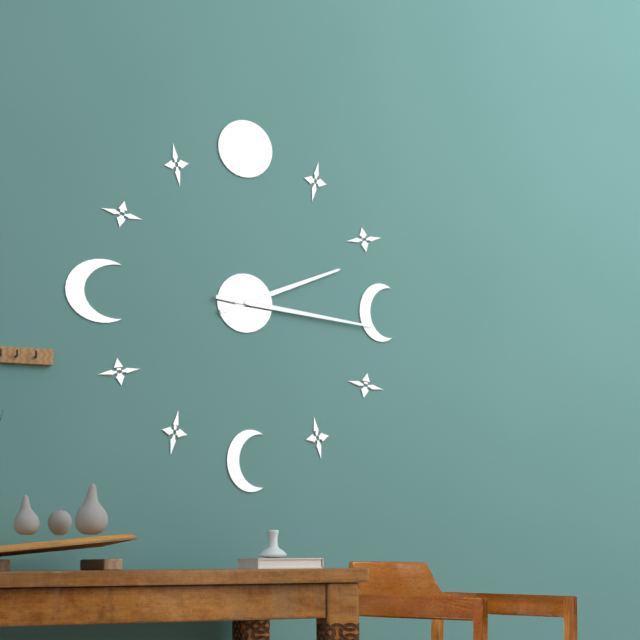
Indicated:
2 h 16 min
